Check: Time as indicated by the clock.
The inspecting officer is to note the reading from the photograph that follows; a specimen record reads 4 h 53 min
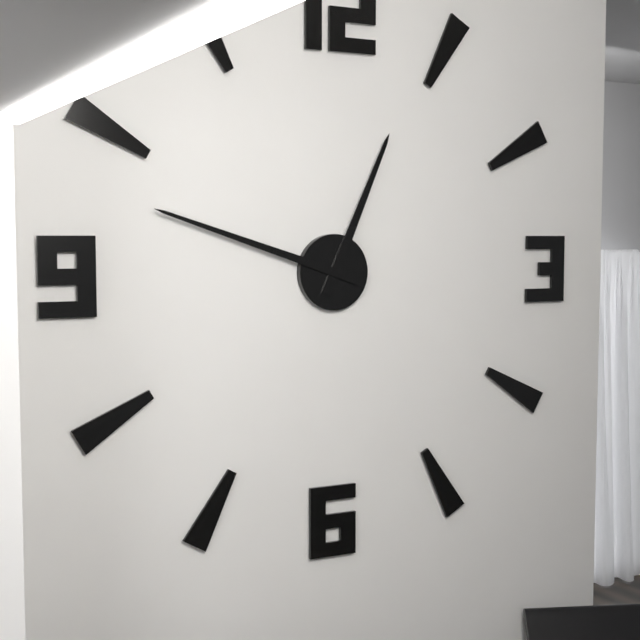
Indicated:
12 h 48 min
